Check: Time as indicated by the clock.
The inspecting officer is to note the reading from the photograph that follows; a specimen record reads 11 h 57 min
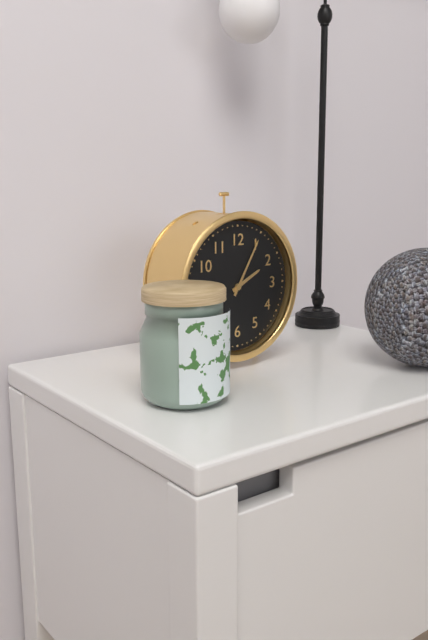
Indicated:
2 h 05 min
